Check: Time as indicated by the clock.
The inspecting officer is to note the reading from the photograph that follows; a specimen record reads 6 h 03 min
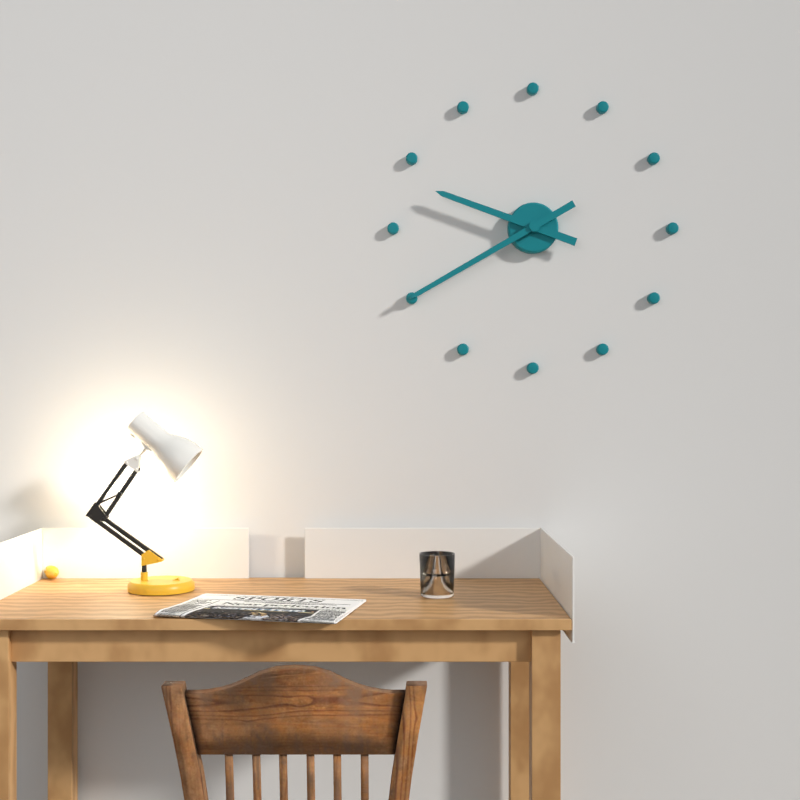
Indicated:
9 h 40 min
